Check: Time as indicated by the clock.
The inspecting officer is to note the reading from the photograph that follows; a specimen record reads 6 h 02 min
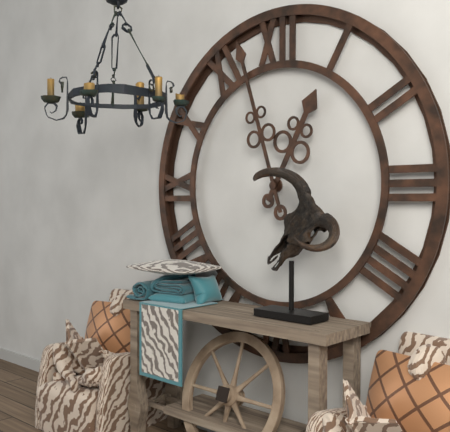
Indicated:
12 h 57 min
